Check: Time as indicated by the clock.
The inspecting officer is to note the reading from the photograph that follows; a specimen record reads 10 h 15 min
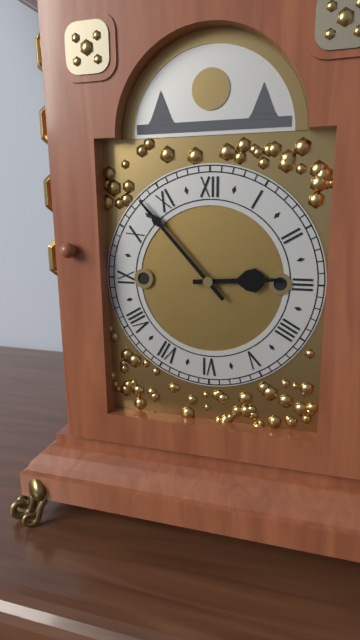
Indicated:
2 h 53 min
